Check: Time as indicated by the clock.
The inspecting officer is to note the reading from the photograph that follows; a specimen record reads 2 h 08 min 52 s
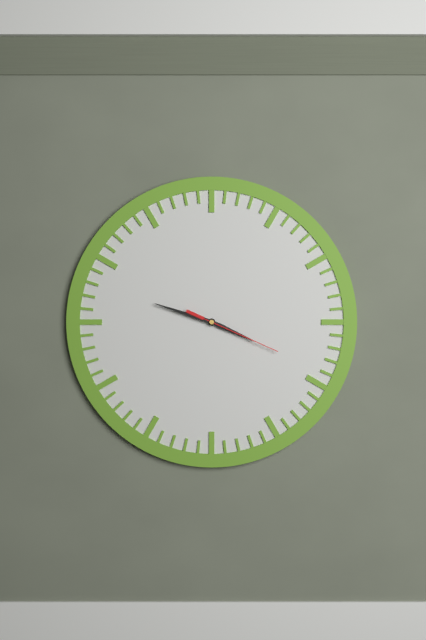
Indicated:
3 h 48 min 19 s
